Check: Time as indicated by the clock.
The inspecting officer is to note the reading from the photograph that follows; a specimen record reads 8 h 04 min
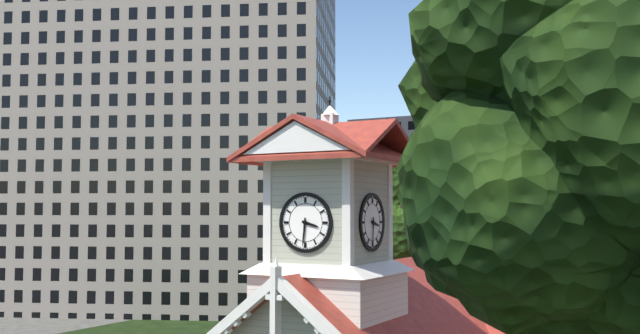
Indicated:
3 h 31 min
